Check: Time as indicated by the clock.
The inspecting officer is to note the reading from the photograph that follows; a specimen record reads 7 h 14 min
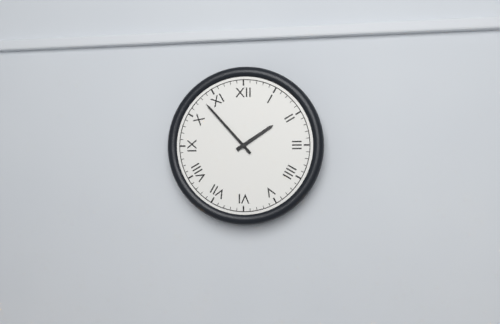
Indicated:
1 h 53 min
